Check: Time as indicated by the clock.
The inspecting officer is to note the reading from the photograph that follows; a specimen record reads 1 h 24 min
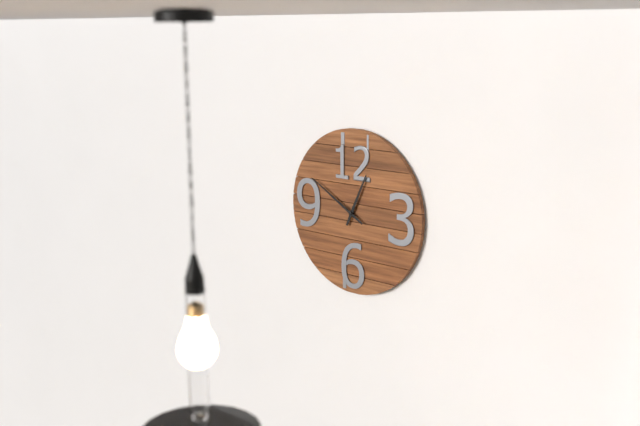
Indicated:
12 h 50 min
